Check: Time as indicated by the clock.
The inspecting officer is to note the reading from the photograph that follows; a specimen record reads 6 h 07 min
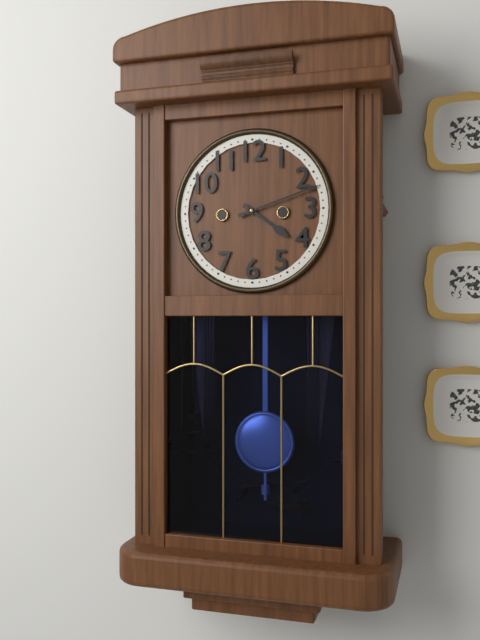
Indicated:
4 h 12 min
